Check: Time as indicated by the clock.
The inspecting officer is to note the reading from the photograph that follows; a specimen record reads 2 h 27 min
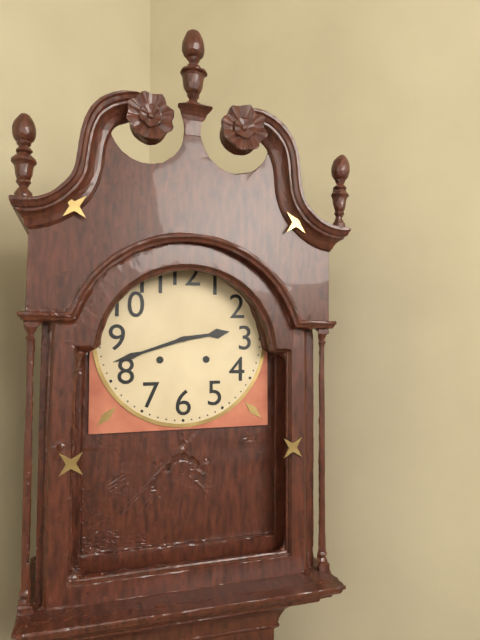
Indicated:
2 h 42 min
